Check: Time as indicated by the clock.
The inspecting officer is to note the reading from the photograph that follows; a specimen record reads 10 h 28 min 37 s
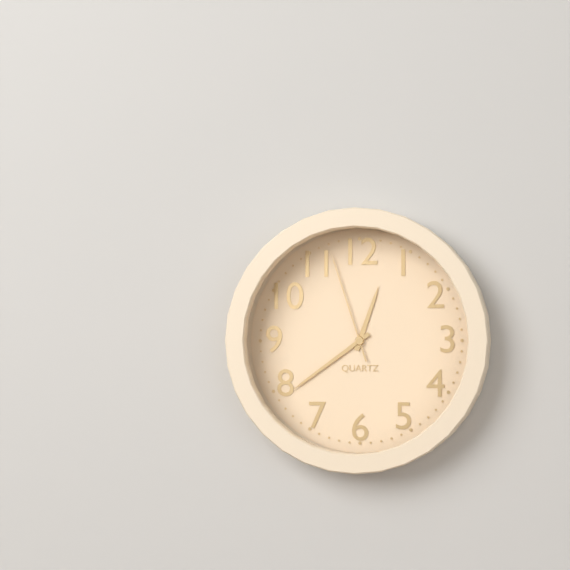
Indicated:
12 h 39 min 57 s
